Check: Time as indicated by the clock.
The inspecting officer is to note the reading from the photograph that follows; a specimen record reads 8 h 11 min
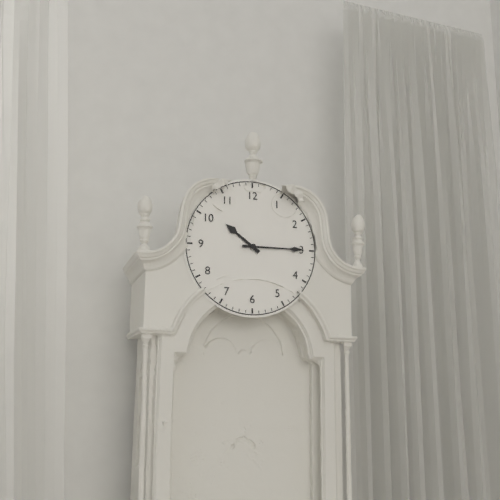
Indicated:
10 h 15 min
